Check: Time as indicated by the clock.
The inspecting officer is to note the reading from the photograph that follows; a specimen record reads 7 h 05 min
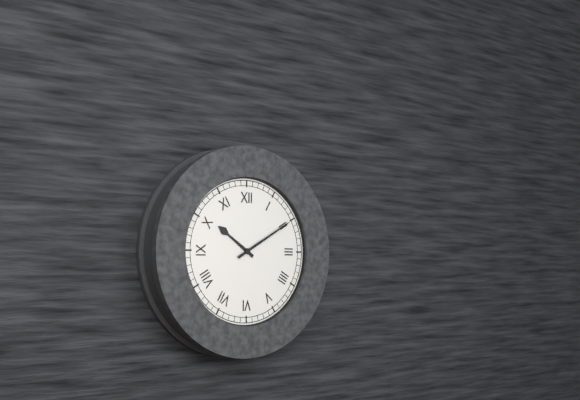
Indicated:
10 h 10 min
